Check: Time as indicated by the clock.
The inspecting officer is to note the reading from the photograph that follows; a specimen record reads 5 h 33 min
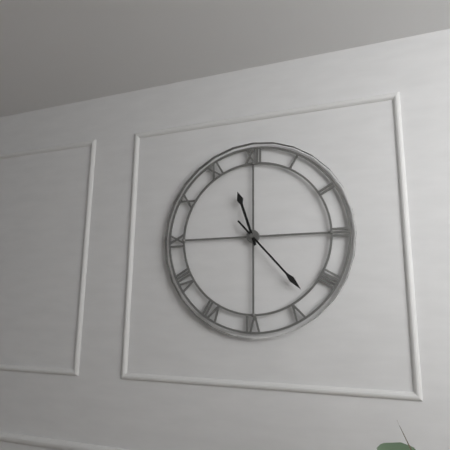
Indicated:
11 h 23 min
